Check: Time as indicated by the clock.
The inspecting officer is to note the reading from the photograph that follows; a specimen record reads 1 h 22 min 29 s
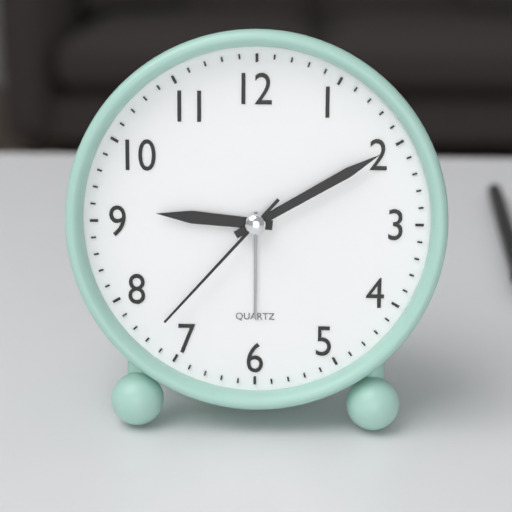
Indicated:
9 h 10 min 37 s
